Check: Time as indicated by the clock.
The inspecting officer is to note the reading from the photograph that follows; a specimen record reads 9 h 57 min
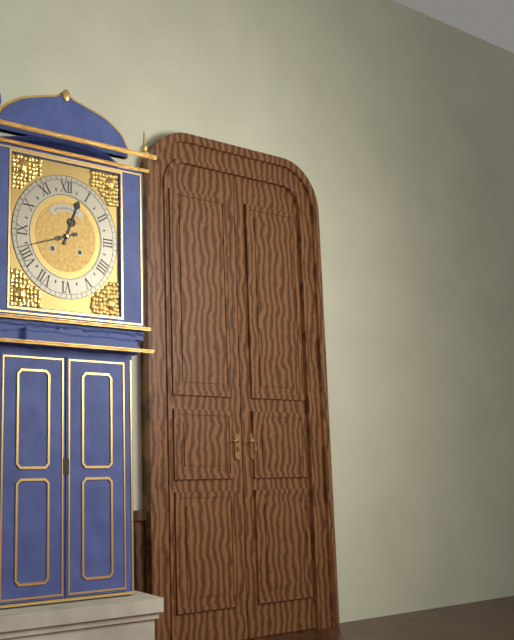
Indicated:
12 h 42 min
